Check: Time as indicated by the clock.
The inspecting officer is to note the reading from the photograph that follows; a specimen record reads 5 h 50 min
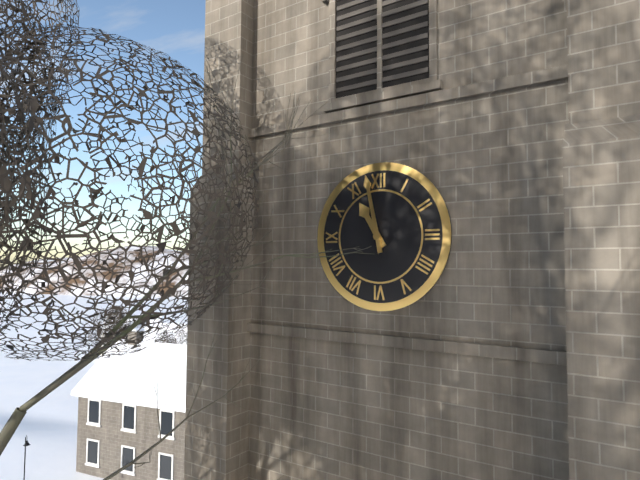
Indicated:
10 h 58 min
